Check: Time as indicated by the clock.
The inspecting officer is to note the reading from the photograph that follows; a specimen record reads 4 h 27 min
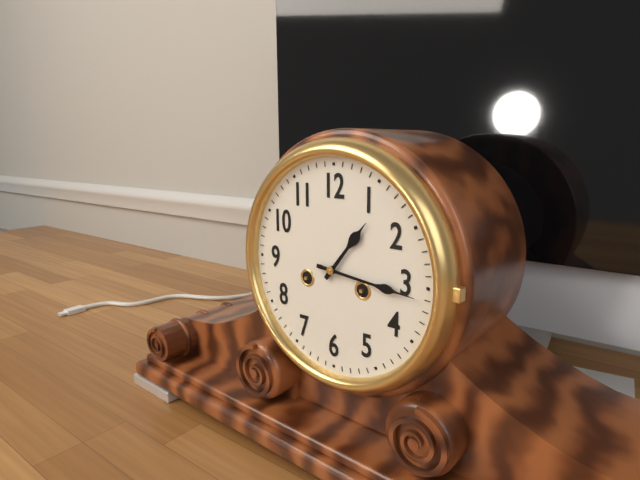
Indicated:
1 h 16 min
